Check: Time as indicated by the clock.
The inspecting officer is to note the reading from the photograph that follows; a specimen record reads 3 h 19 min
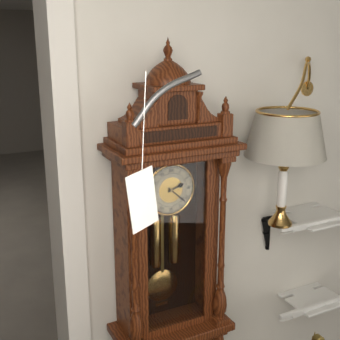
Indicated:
2 h 22 min
